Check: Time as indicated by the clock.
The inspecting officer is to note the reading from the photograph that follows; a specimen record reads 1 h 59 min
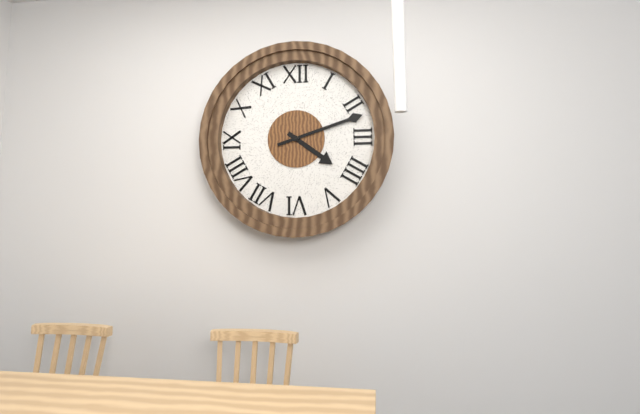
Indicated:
4 h 12 min
